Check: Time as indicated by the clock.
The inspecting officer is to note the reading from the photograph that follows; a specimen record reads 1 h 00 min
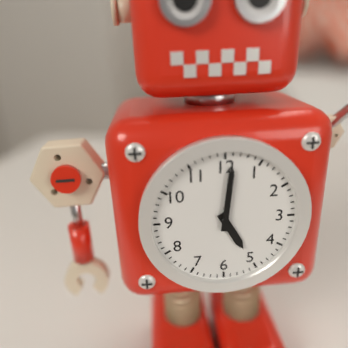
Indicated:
5 h 01 min
